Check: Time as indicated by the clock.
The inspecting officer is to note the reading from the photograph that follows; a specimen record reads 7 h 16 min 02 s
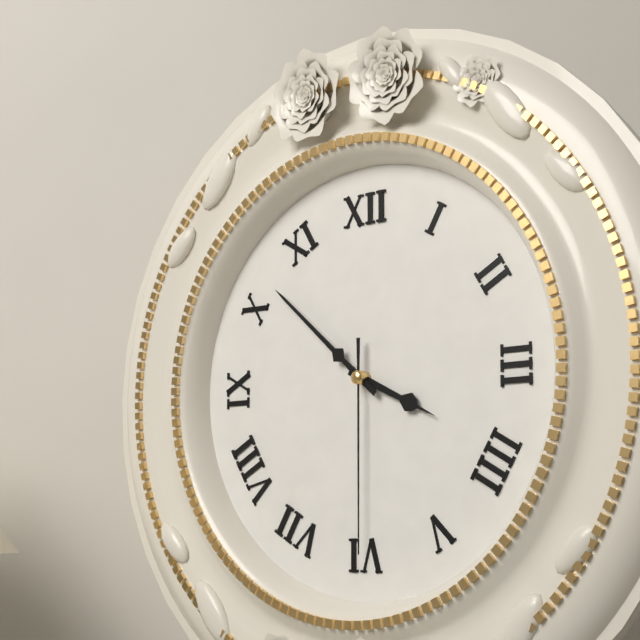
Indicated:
3 h 52 min 30 s
